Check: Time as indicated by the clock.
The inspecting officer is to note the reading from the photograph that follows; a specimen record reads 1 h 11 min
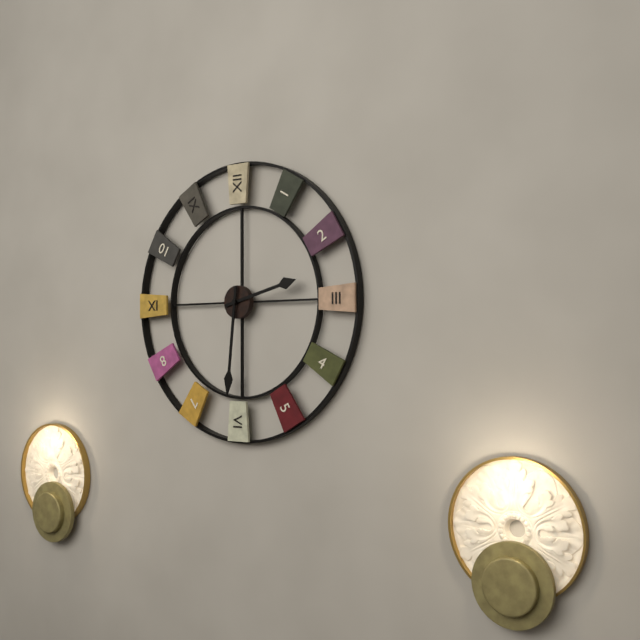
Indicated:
2 h 31 min
